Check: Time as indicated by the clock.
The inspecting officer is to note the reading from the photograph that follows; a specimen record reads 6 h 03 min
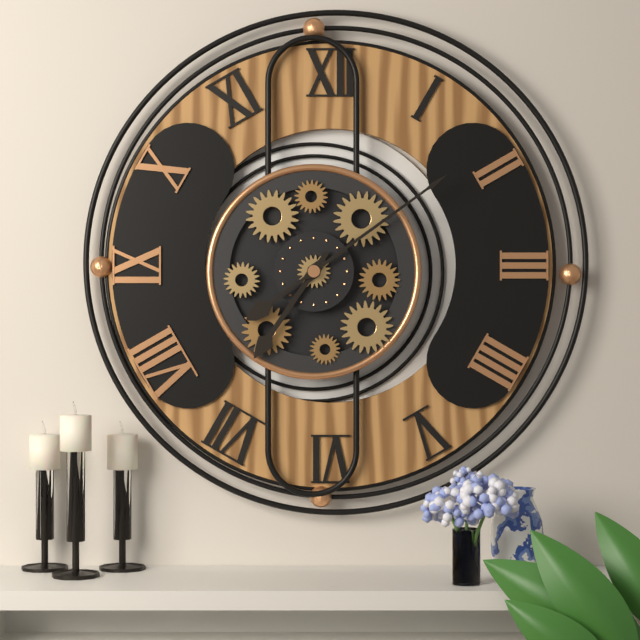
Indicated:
7 h 09 min
